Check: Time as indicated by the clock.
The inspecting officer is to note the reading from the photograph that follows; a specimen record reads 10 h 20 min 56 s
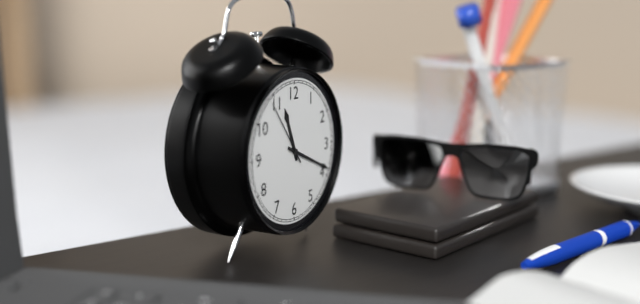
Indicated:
11 h 19 min 54 s
